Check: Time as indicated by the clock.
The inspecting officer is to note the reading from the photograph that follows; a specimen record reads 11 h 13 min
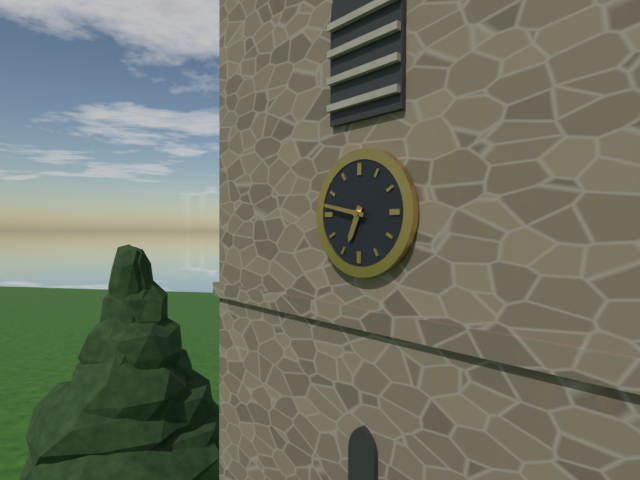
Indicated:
6 h 47 min
